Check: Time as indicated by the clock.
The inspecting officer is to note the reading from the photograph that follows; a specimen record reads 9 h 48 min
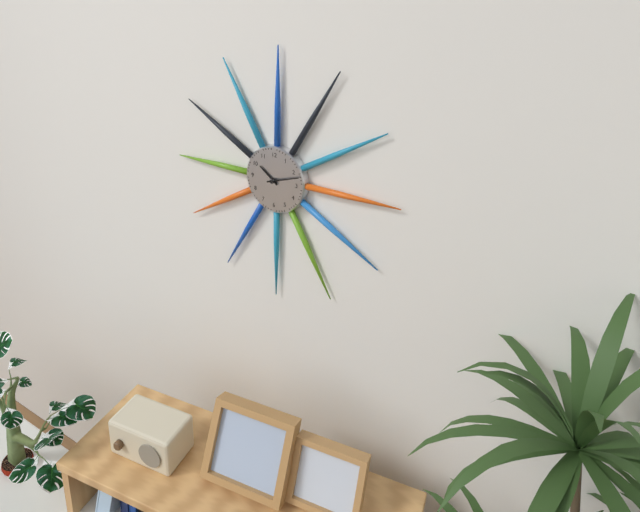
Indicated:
10 h 12 min
